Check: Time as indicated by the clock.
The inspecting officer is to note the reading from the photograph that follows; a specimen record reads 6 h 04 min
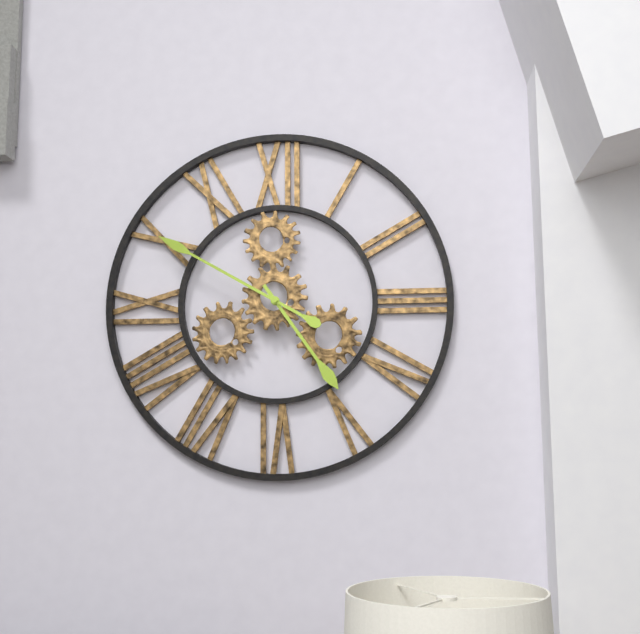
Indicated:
4 h 50 min
